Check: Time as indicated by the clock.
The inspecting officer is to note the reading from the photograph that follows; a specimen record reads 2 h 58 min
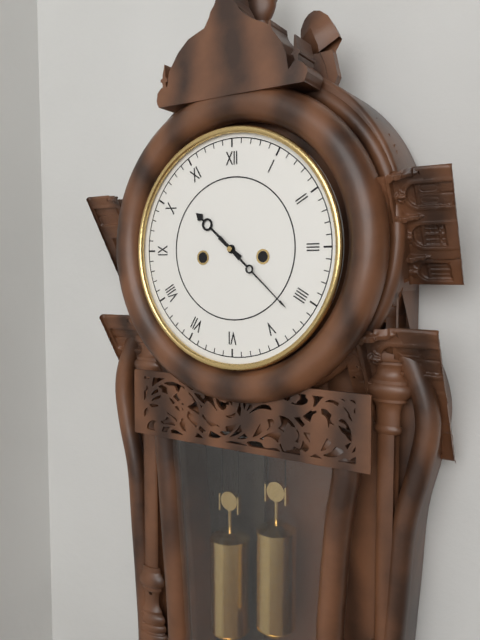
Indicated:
10 h 22 min
